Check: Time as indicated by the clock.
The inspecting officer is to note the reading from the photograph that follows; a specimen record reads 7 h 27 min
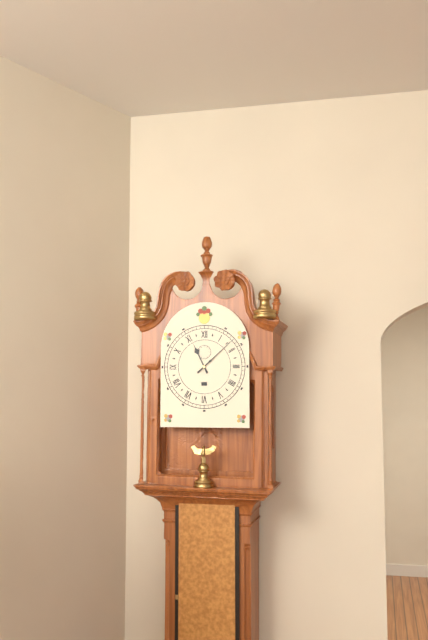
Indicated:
11 h 08 min
